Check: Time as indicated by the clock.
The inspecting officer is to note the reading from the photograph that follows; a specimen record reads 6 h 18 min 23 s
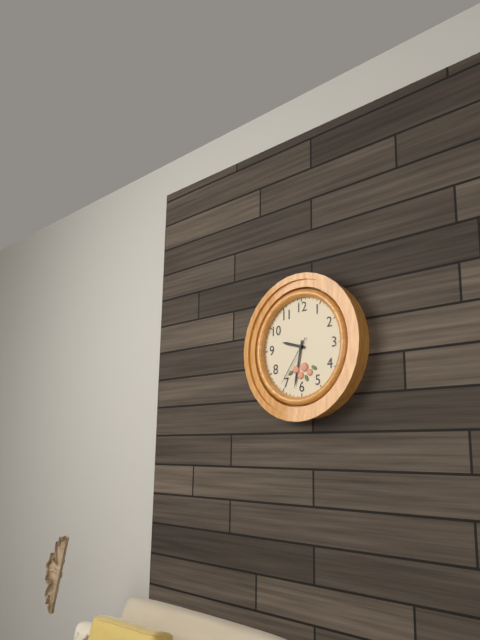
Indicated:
9 h 32 min 36 s
